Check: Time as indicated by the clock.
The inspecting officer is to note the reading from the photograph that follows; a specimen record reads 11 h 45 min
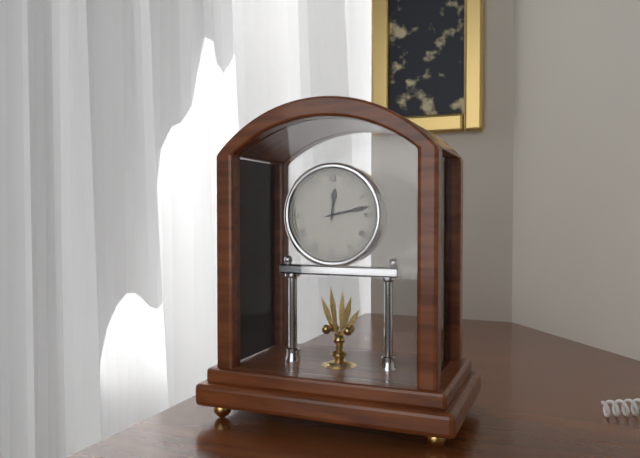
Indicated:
12 h 13 min
